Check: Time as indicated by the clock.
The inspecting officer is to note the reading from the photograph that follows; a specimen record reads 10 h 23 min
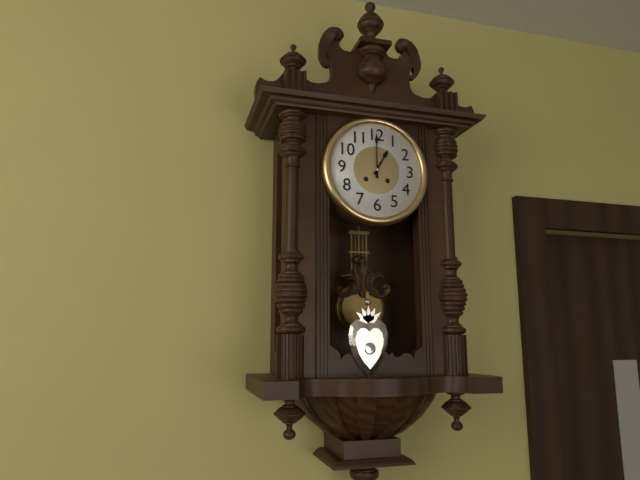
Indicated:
1 h 00 min
